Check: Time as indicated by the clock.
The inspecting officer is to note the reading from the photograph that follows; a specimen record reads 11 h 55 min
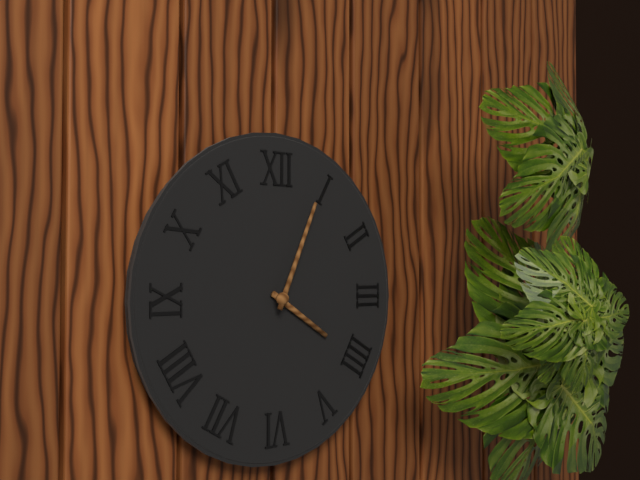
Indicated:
4 h 04 min
